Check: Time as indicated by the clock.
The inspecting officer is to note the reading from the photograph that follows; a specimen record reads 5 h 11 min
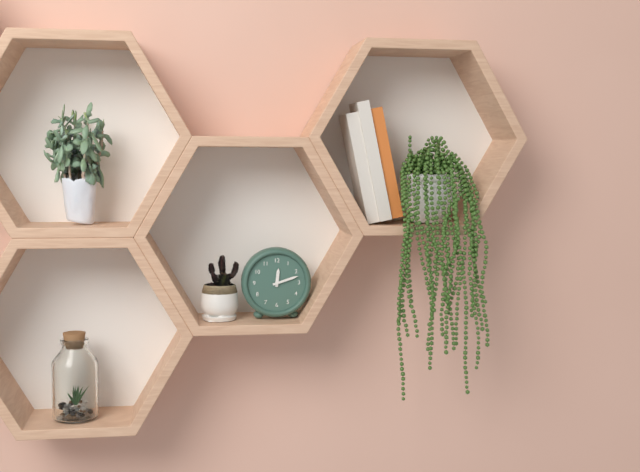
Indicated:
12 h 12 min
